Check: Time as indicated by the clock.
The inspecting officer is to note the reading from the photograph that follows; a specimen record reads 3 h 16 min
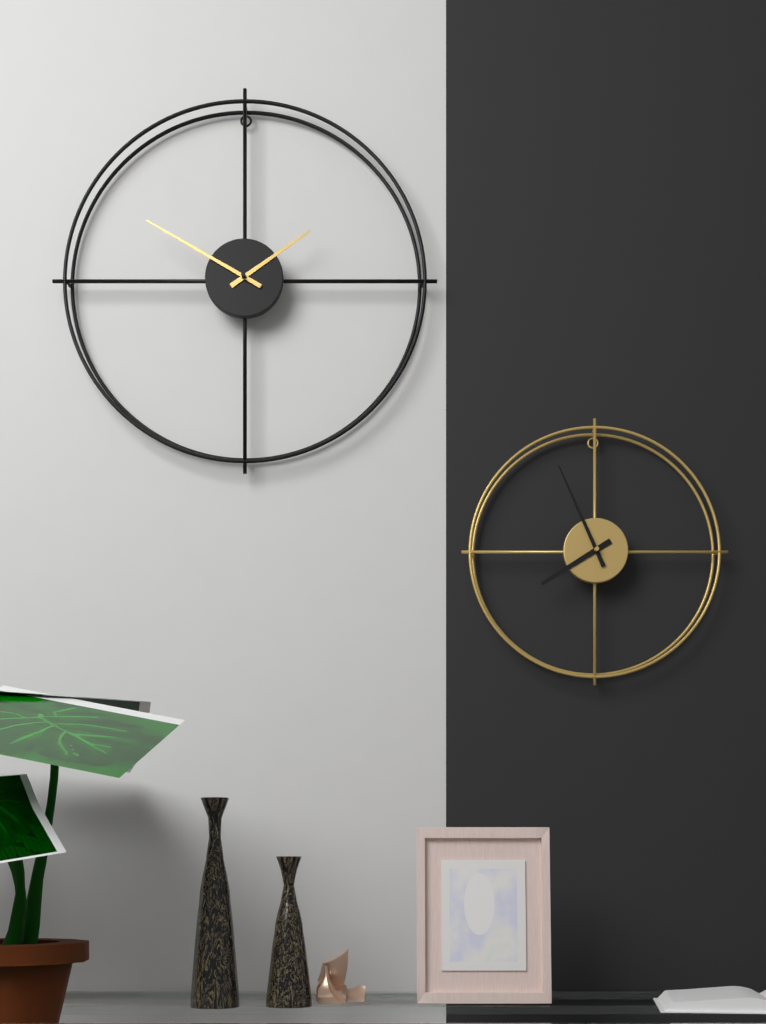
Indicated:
1 h 50 min
